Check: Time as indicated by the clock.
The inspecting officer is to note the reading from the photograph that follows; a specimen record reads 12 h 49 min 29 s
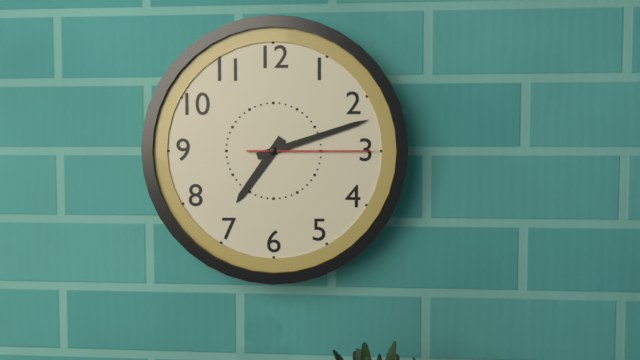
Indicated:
7 h 12 min 15 s
